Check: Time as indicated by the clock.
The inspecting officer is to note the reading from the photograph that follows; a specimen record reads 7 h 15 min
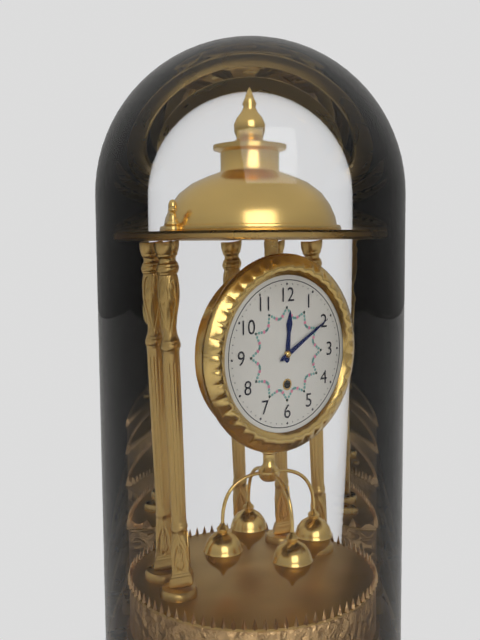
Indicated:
12 h 10 min
